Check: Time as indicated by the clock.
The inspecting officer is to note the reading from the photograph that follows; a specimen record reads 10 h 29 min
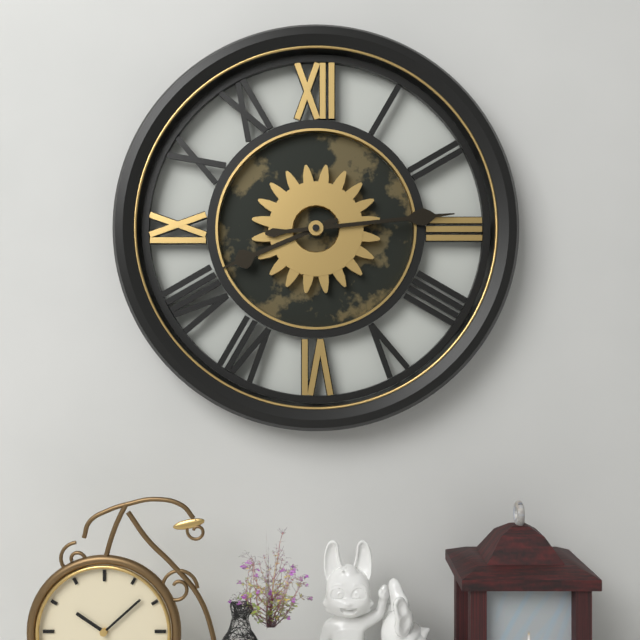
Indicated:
8 h 14 min
